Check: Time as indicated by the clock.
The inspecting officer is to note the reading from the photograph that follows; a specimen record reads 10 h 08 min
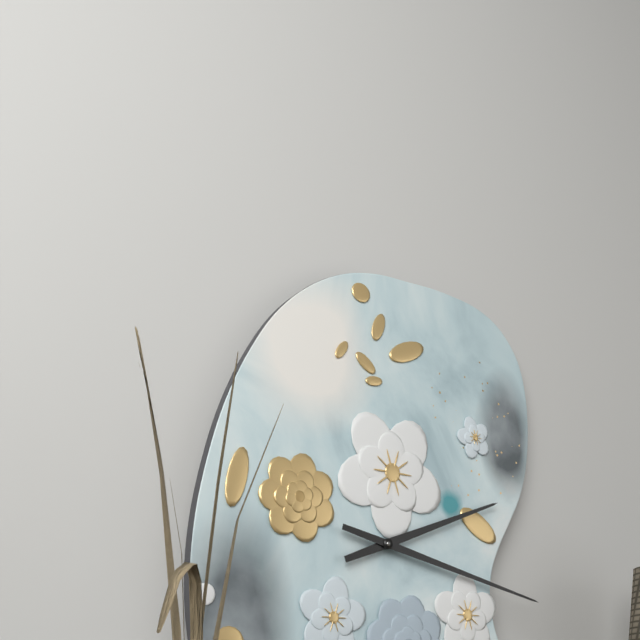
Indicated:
2 h 17 min
